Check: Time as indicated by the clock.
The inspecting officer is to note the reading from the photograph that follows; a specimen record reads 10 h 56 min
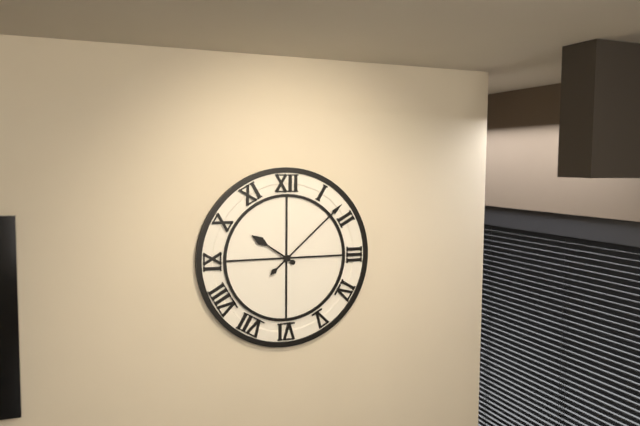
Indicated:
10 h 08 min
